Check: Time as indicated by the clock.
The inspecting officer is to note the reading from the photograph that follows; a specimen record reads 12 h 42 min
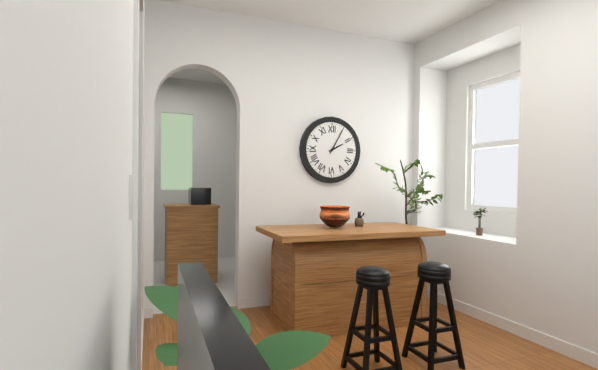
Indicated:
2 h 05 min
